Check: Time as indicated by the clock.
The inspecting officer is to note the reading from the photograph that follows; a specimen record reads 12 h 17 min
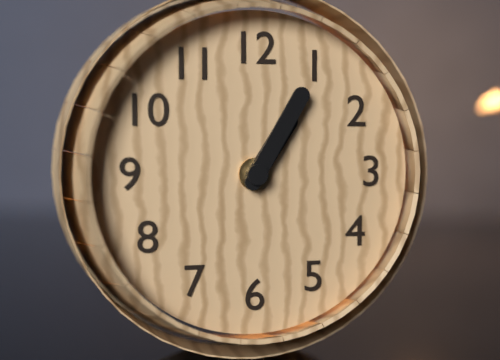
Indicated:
1 h 05 min
